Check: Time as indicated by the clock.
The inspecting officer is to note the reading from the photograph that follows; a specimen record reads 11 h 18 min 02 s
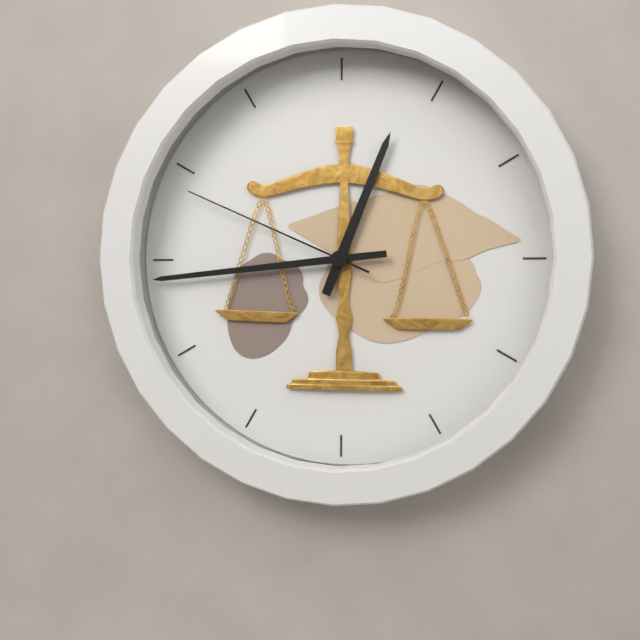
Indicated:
12 h 44 min 49 s
